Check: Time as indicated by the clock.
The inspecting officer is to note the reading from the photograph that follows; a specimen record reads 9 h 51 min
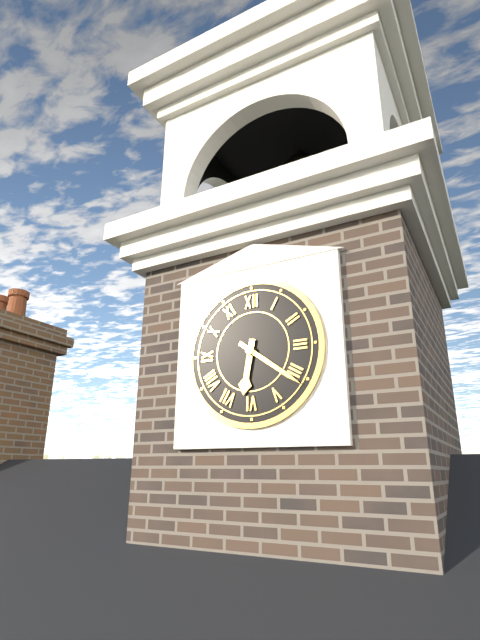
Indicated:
6 h 21 min
